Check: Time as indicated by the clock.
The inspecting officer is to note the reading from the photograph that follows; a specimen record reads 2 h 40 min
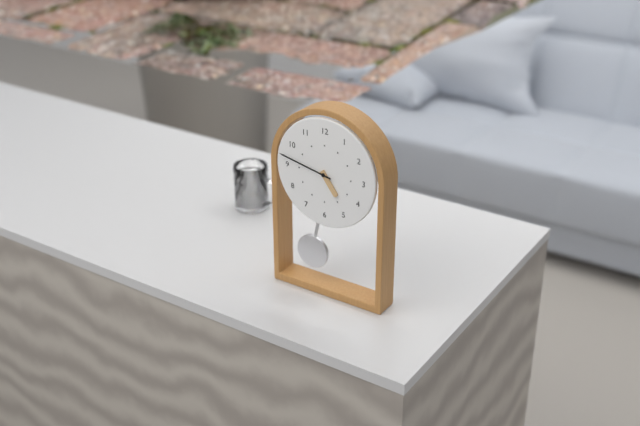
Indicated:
4 h 47 min
